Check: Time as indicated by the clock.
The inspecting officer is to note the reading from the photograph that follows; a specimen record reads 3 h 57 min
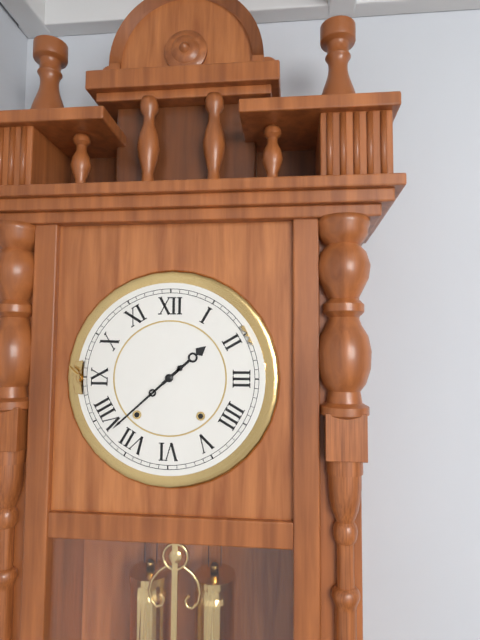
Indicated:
1 h 38 min
